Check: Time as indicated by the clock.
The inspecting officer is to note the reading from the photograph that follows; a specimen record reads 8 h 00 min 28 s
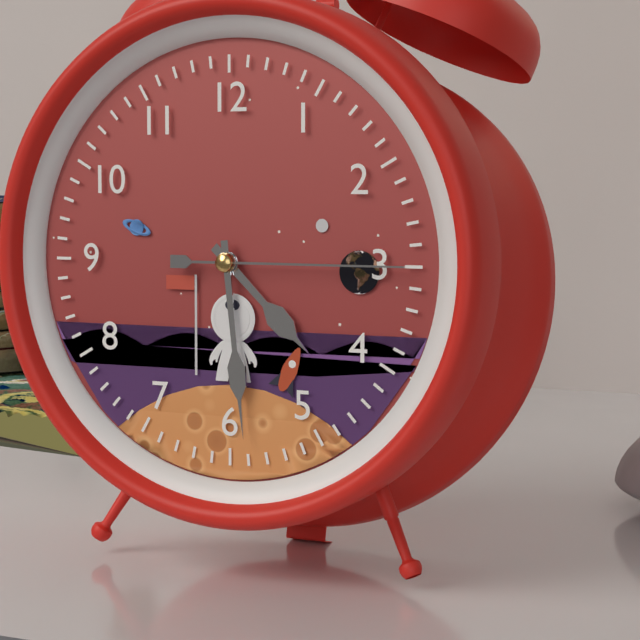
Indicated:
4 h 29 min 15 s
